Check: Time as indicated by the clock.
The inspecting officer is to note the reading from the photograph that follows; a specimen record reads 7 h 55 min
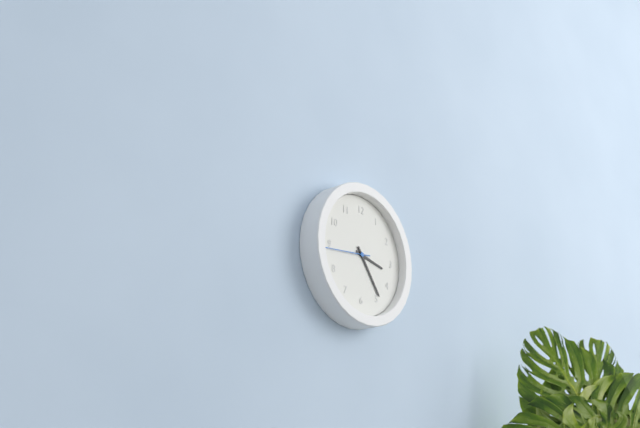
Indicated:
3 h 24 min
